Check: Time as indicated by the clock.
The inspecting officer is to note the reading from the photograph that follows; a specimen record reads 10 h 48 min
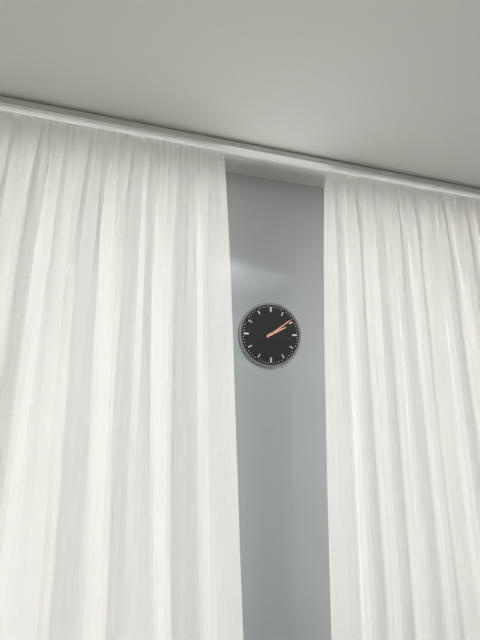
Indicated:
2 h 09 min
